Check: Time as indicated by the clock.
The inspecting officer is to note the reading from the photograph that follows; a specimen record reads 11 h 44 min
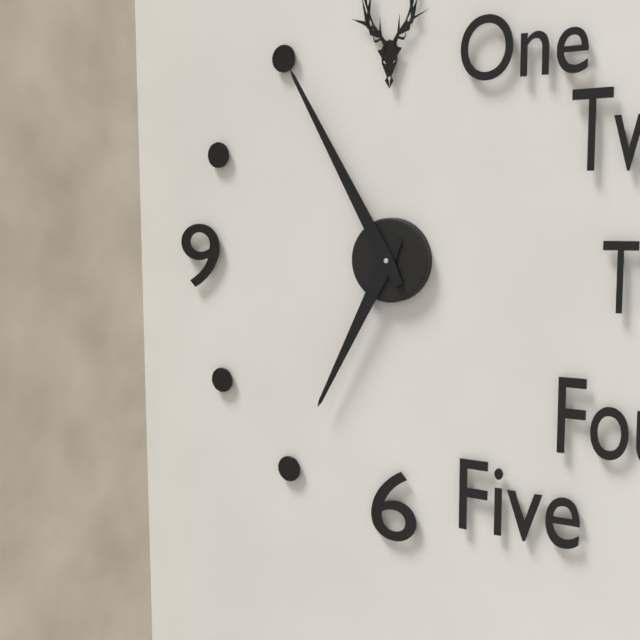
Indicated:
6 h 55 min
